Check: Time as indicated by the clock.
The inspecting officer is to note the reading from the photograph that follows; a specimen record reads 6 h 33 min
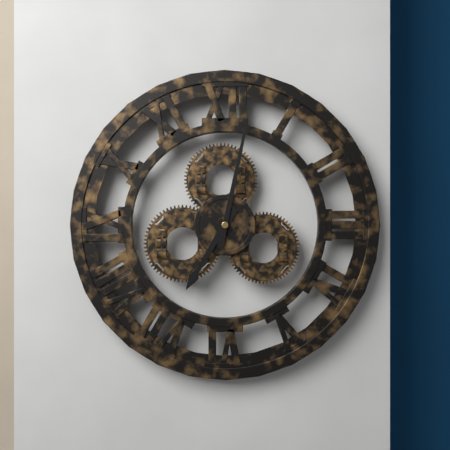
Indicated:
7 h 02 min
